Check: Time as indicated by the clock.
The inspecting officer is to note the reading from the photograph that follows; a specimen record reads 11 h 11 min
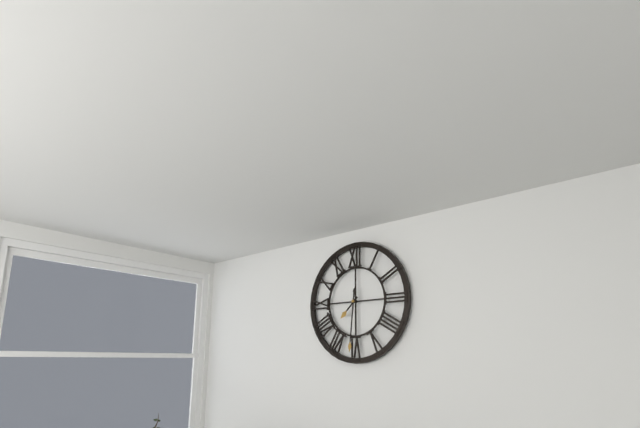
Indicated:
7 h 31 min
